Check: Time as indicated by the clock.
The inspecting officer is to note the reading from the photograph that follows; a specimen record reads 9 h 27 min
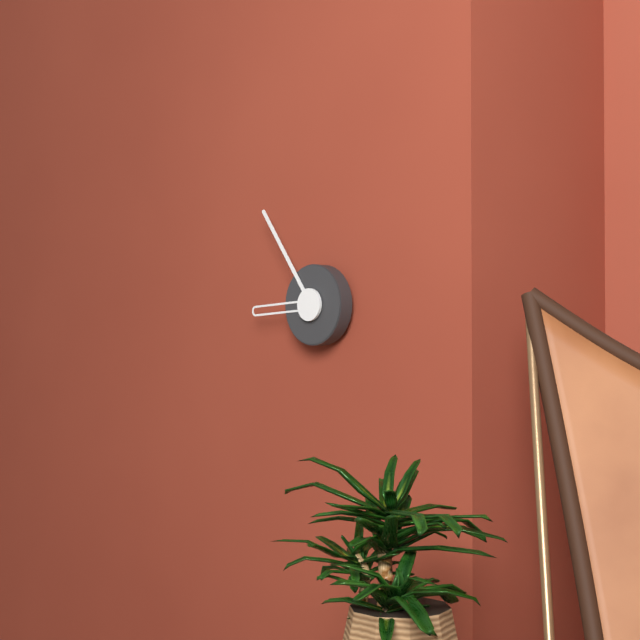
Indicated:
8 h 54 min
